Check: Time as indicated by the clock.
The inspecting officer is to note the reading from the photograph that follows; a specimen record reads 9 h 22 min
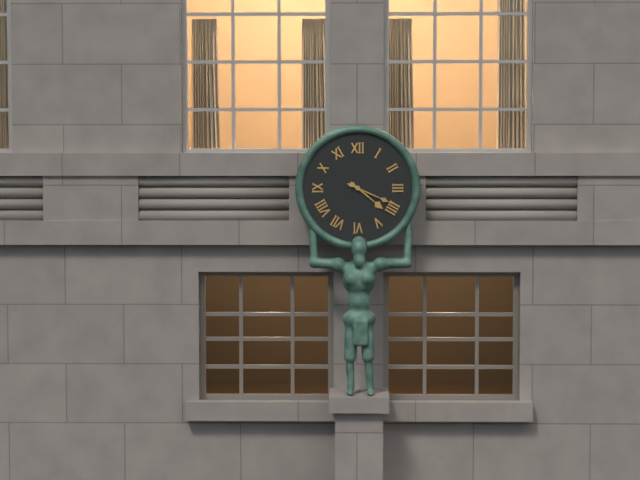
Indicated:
4 h 19 min
